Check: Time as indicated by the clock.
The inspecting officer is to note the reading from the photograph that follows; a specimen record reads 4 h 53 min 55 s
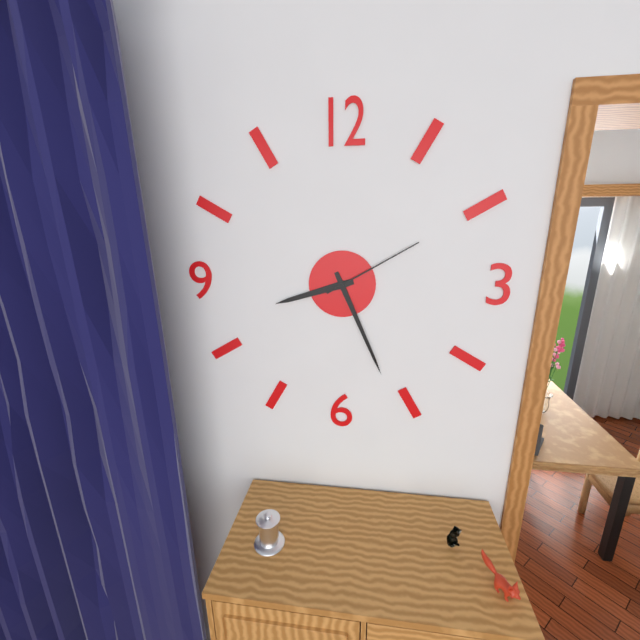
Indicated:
8 h 26 min 10 s
